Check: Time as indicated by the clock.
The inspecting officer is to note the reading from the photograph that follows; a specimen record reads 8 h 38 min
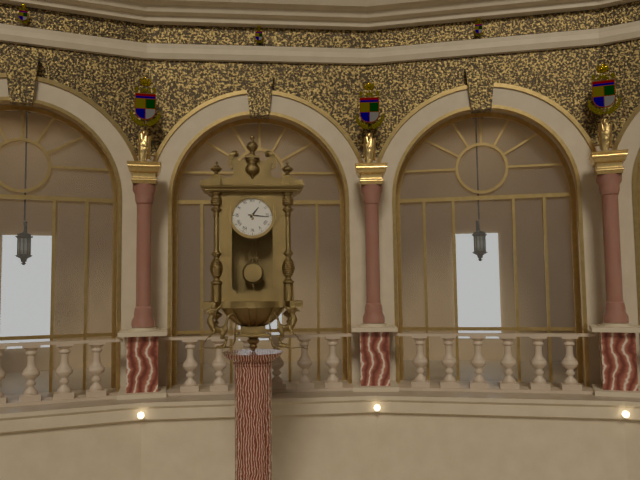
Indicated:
1 h 16 min
